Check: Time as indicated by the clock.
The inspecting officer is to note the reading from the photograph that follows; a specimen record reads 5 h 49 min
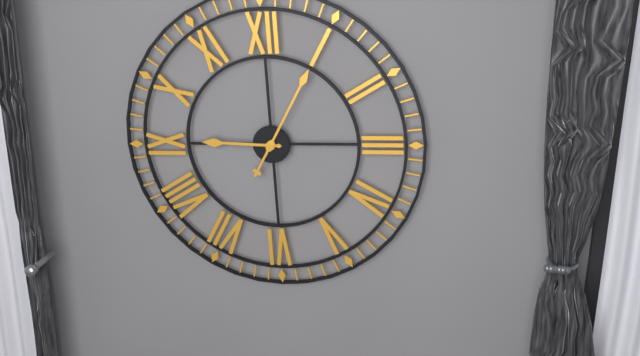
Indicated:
9 h 05 min
